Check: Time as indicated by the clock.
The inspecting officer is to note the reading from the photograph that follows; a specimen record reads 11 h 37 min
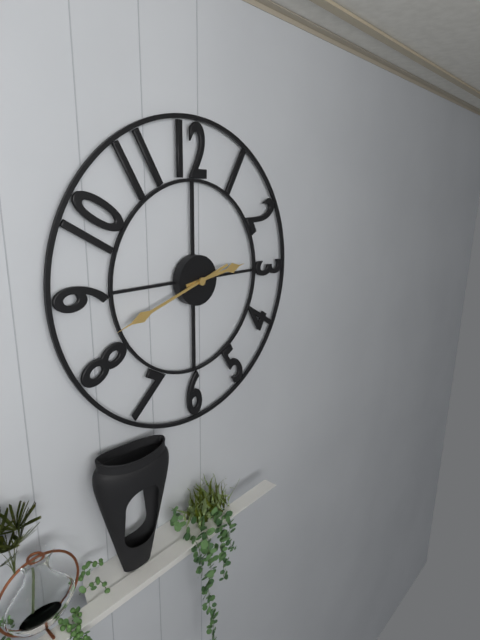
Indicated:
2 h 42 min
